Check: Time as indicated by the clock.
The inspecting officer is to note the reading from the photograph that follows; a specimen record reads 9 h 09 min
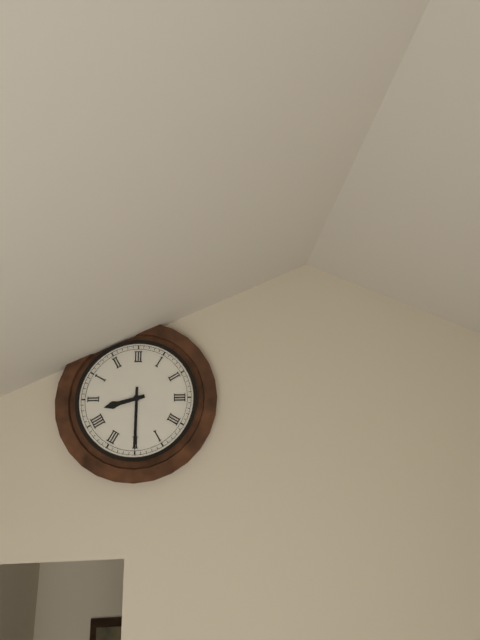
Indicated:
8 h 30 min
